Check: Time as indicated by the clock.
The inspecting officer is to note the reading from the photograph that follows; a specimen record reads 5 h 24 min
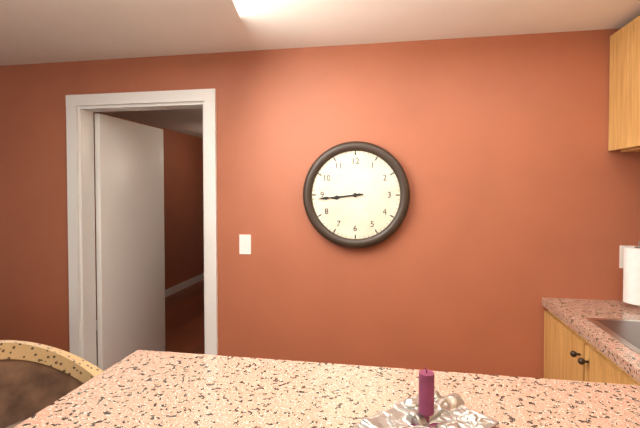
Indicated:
8 h 44 min
